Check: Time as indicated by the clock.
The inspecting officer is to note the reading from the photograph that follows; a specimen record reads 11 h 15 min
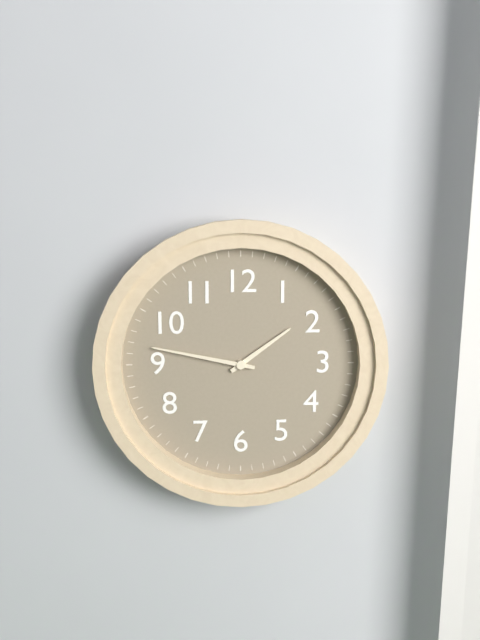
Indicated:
1 h 47 min
